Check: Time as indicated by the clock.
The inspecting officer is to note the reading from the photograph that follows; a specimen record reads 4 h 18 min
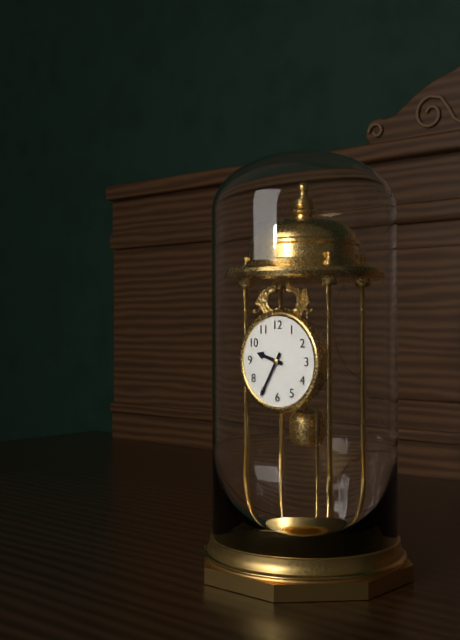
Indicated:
9 h 35 min
